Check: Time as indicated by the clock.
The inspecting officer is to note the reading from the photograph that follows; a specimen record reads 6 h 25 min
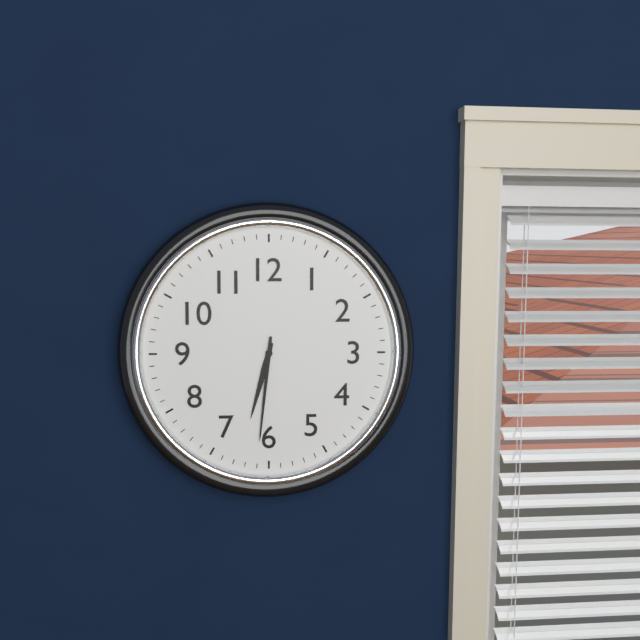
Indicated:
6 h 31 min
